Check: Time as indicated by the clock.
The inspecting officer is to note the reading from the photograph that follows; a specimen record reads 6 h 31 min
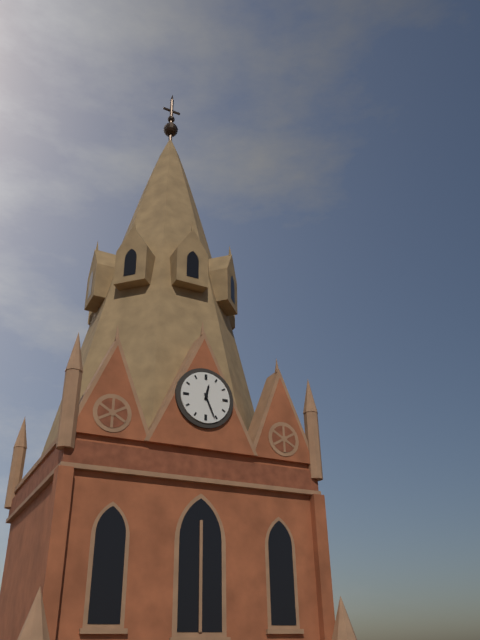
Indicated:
12 h 26 min
